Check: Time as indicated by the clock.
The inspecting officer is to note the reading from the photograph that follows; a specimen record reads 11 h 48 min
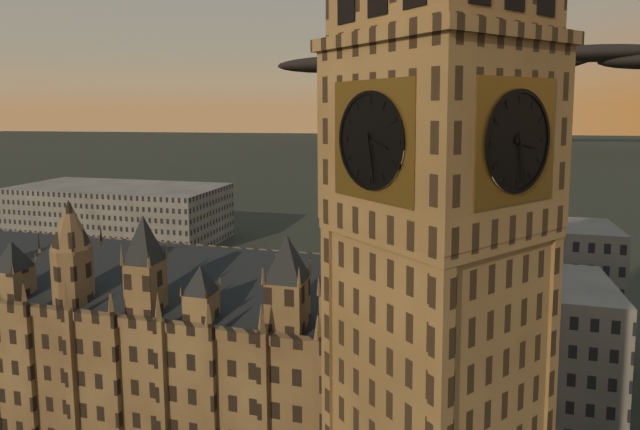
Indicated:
3 h 28 min
